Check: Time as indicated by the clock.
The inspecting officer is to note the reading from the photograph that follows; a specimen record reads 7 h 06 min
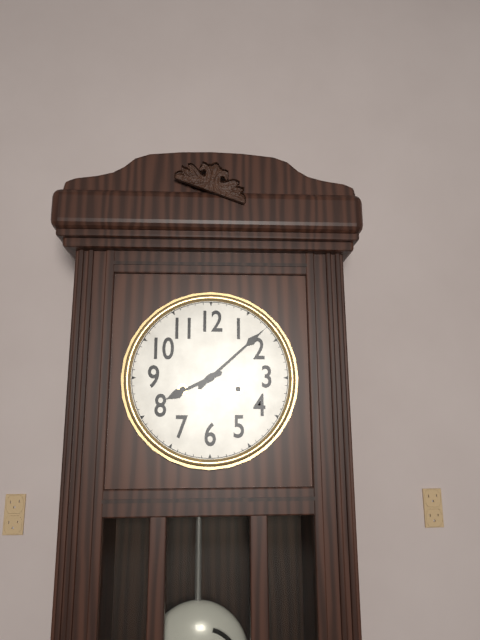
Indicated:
8 h 08 min
